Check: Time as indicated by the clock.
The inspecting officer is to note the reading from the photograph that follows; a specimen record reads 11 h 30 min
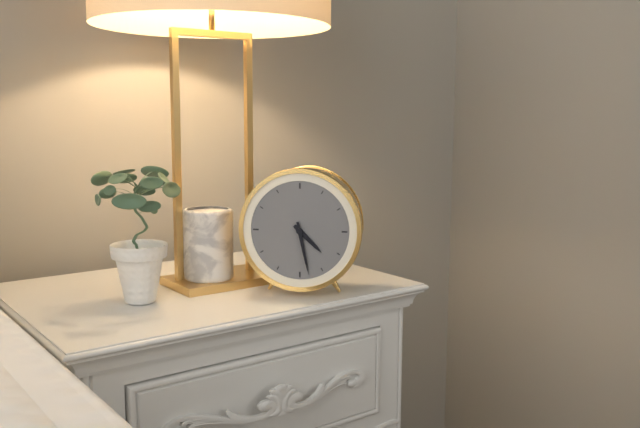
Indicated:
4 h 28 min
